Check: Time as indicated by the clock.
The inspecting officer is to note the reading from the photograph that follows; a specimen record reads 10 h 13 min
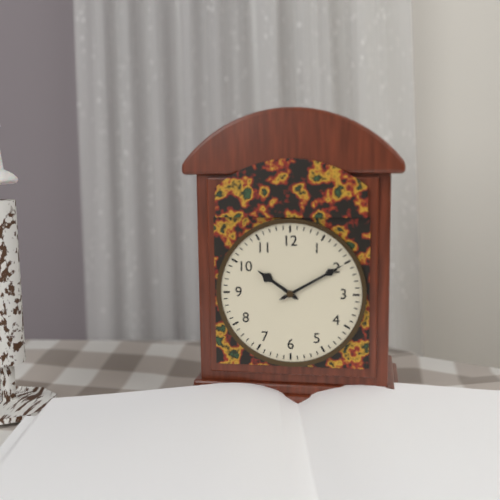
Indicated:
10 h 10 min
